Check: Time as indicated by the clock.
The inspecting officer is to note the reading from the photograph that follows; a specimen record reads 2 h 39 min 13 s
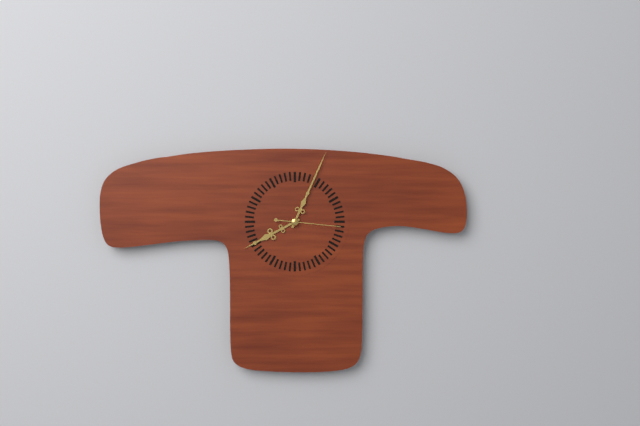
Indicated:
8 h 04 min 16 s
